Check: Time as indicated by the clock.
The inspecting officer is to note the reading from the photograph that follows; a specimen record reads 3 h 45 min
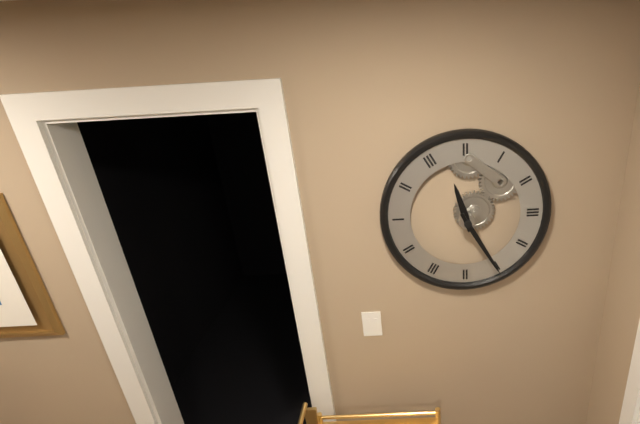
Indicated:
11 h 25 min
